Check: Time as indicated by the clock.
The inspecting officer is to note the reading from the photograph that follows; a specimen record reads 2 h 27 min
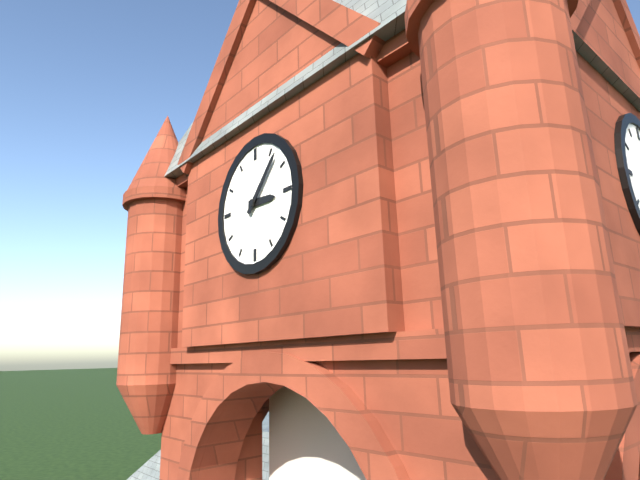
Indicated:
3 h 07 min
